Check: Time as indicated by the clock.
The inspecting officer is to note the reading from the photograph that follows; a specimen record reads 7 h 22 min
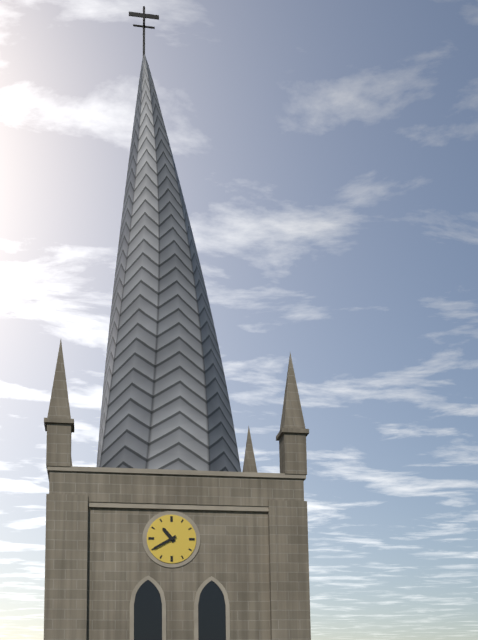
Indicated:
10 h 40 min
